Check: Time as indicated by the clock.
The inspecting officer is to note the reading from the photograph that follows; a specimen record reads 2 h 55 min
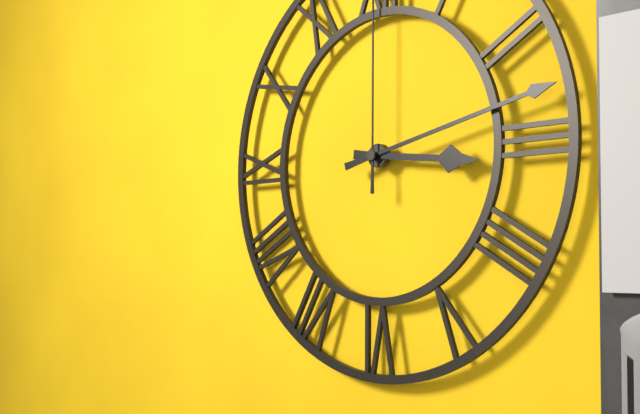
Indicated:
3 h 13 min
